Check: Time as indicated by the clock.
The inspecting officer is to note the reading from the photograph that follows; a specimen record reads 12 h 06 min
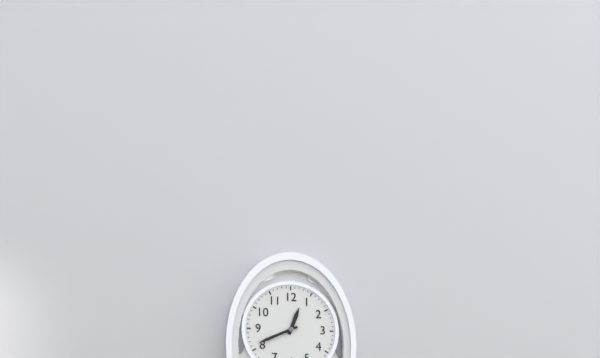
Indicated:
12 h 41 min
